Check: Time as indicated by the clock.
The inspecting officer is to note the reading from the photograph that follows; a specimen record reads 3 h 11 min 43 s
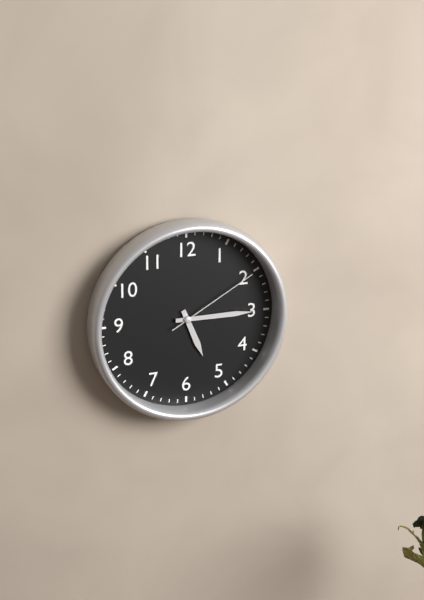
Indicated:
5 h 15 min 10 s
